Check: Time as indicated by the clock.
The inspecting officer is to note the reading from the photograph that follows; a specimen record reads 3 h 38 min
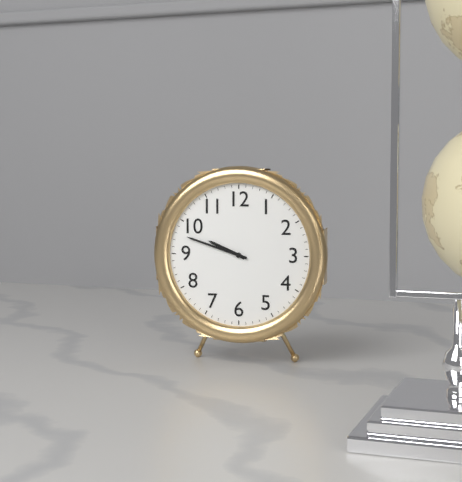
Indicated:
9 h 48 min
